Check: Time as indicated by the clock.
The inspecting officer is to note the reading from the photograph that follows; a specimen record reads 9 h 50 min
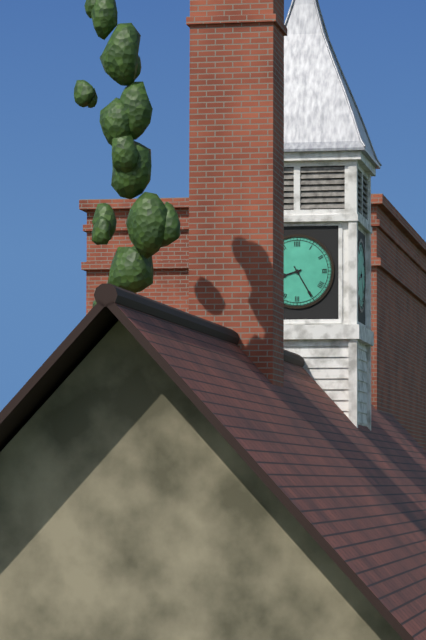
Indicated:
8 h 25 min
